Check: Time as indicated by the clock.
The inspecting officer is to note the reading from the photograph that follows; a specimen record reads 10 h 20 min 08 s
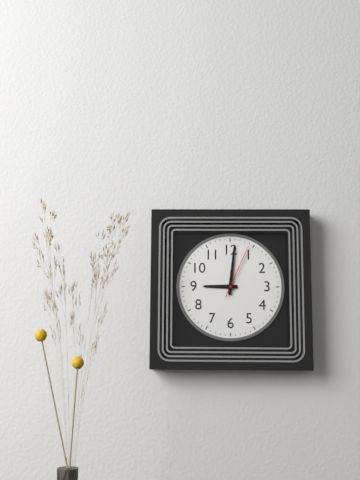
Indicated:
9 h 01 min 04 s
